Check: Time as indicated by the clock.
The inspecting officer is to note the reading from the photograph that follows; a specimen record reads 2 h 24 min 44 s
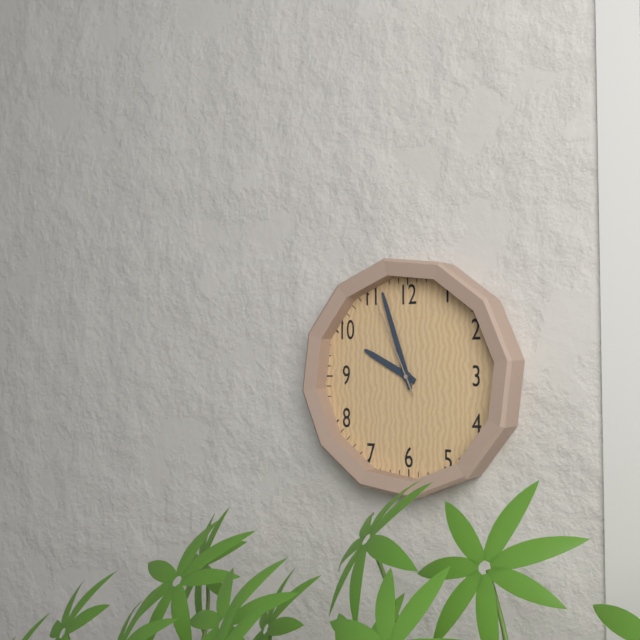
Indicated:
9 h 57 min 56 s
